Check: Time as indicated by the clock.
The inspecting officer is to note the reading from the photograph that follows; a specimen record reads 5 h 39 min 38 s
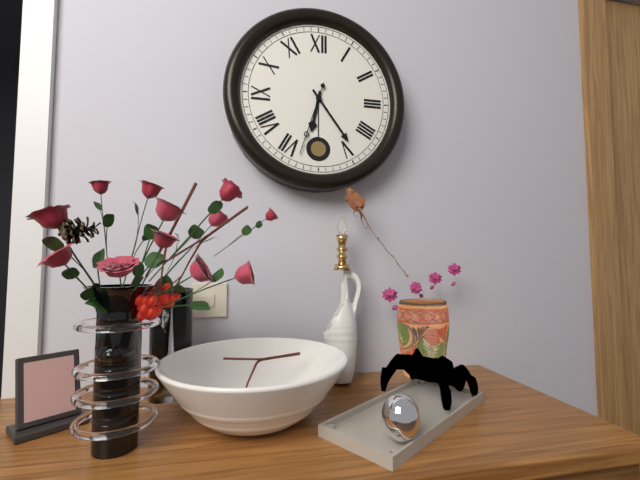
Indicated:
6 h 24 min 33 s
